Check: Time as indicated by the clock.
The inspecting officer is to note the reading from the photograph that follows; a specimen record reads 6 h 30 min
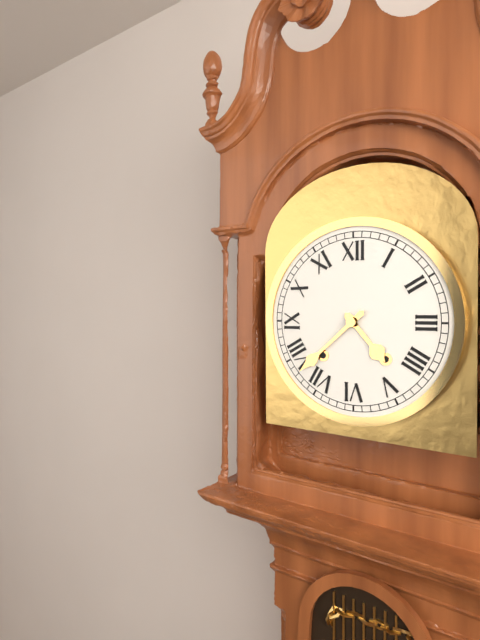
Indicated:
4 h 38 min
